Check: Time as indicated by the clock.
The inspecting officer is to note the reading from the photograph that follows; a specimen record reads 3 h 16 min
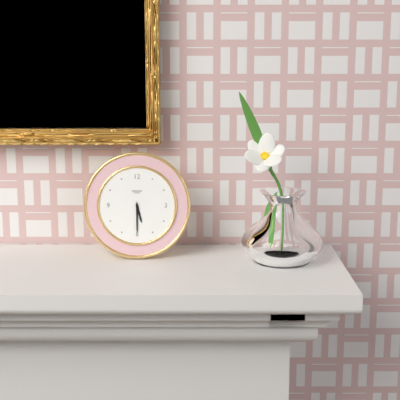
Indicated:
5 h 30 min
